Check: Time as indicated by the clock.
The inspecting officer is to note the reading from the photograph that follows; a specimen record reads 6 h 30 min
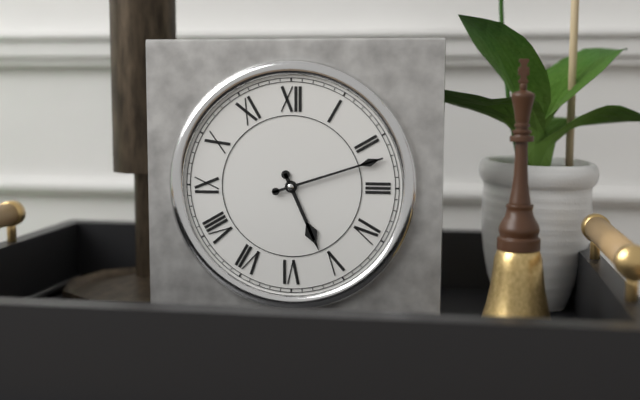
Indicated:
5 h 12 min
